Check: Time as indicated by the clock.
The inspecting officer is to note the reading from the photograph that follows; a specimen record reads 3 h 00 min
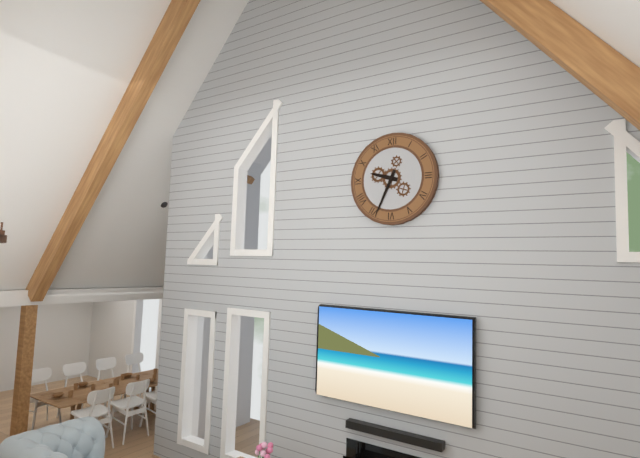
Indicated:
9 h 34 min
